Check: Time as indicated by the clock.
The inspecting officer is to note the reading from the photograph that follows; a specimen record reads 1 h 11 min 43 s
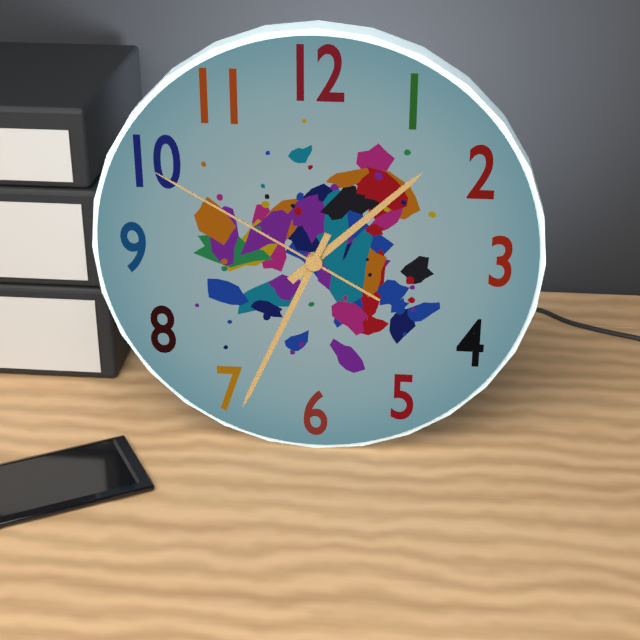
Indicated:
1 h 34 min 50 s
